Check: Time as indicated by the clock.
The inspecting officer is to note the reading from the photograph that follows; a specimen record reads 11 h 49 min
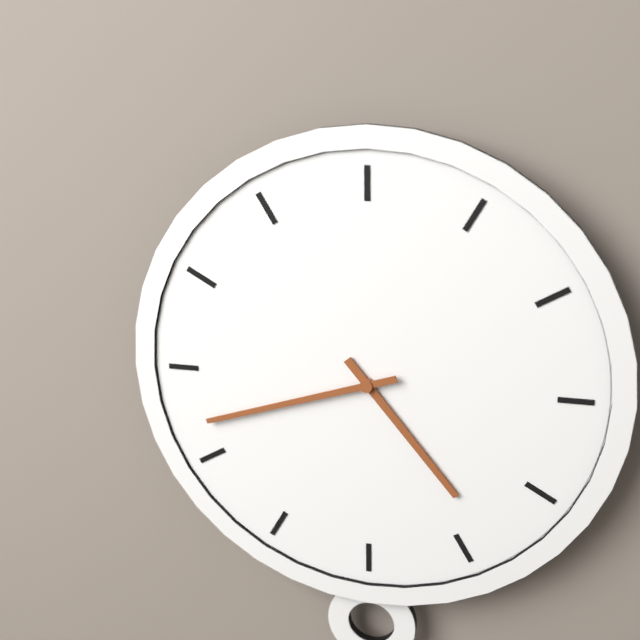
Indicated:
4 h 42 min
